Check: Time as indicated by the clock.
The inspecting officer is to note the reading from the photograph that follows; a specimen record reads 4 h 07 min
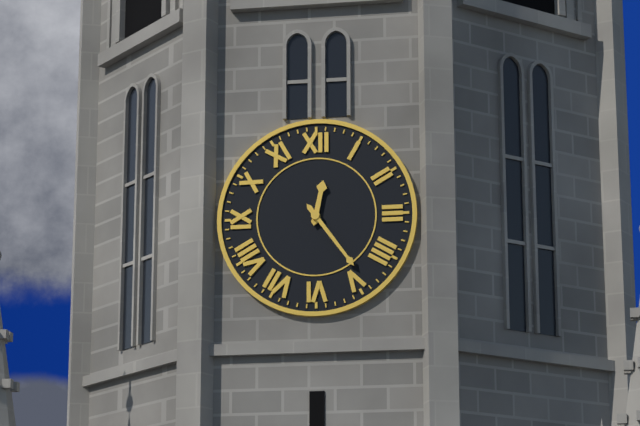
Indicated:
12 h 24 min
